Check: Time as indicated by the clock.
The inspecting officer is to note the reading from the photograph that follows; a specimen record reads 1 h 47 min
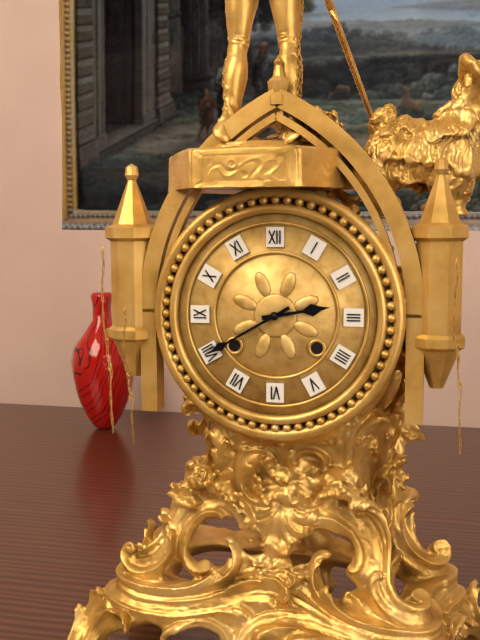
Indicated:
2 h 40 min
